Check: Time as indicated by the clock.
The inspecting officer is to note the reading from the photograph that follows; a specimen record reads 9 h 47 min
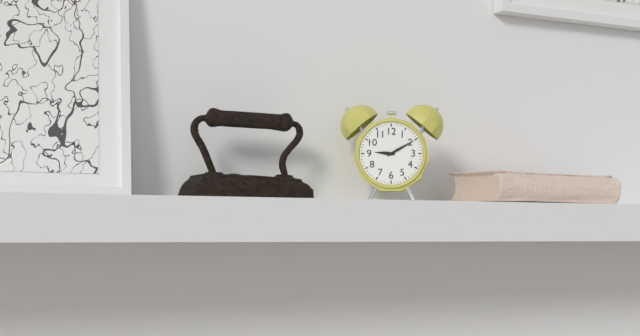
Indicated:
9 h 10 min
